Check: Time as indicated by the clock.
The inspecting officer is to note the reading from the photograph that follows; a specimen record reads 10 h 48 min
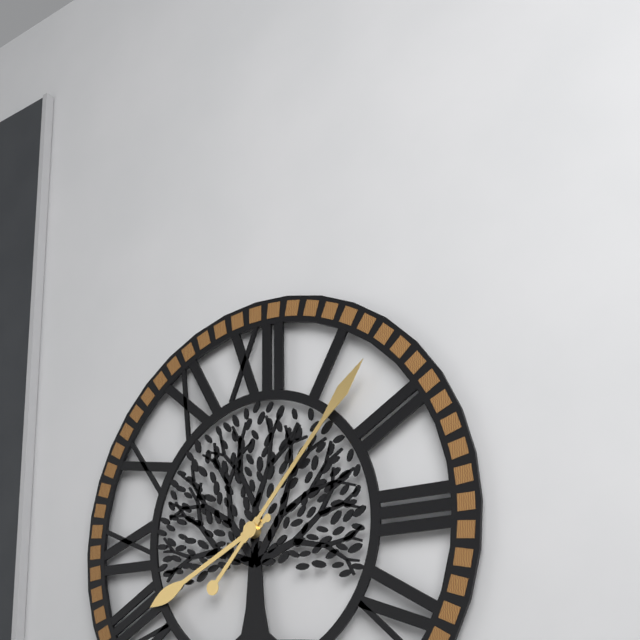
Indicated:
8 h 07 min
